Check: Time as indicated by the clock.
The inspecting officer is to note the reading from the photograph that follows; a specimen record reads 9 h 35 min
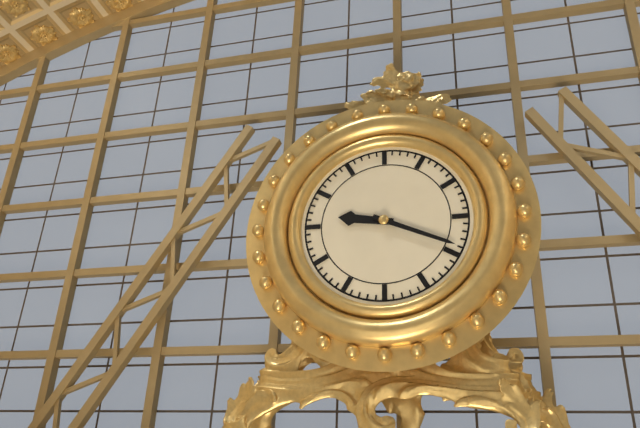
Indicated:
9 h 19 min
